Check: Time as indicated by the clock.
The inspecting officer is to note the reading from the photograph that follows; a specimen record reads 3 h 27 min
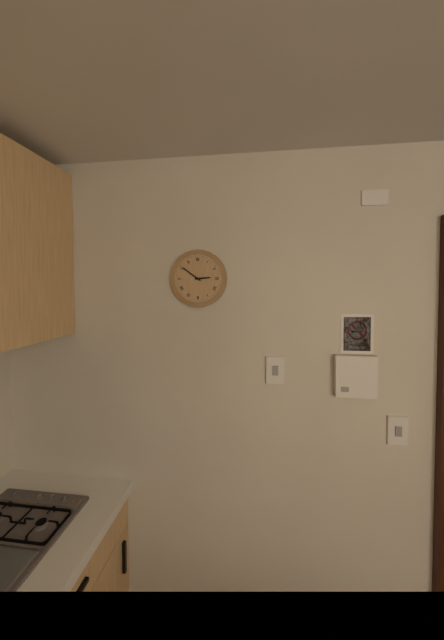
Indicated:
2 h 51 min
